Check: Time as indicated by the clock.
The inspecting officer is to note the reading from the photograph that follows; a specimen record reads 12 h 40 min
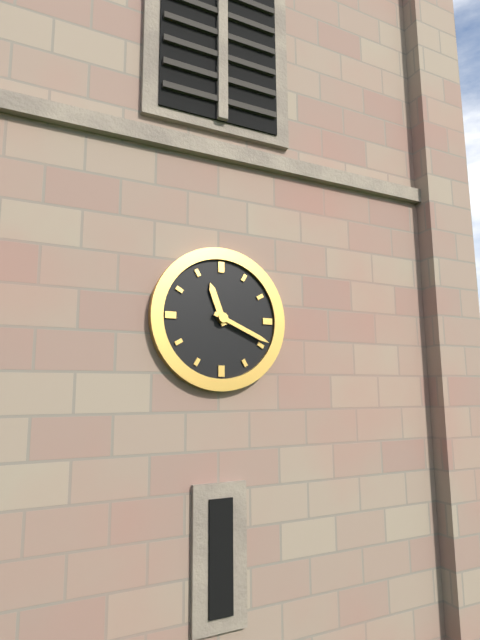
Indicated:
11 h 19 min
